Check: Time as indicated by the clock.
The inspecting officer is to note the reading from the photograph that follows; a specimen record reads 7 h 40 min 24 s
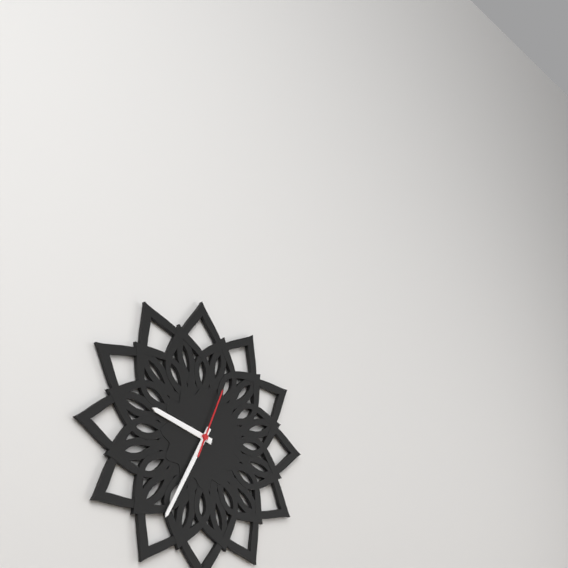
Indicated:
9 h 35 min 04 s
